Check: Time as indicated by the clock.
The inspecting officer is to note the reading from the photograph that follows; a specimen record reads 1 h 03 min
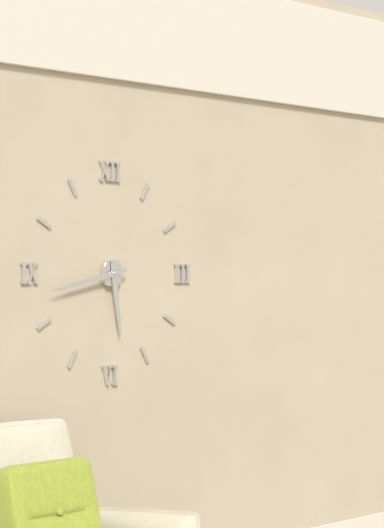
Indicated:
5 h 43 min
